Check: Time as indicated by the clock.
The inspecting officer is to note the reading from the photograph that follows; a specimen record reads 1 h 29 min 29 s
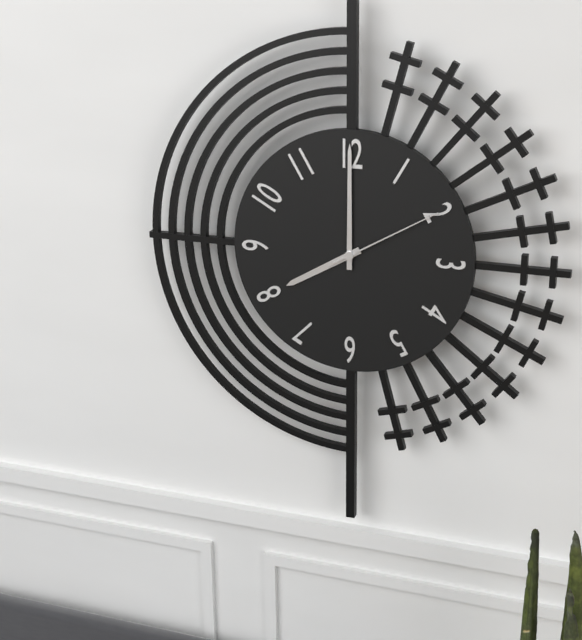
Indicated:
8 h 00 min 10 s
